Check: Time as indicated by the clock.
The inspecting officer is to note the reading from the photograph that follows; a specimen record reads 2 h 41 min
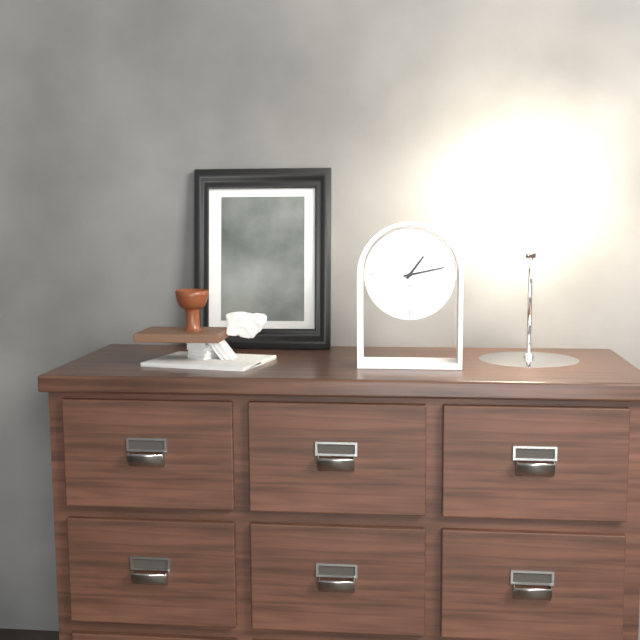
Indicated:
1 h 13 min
